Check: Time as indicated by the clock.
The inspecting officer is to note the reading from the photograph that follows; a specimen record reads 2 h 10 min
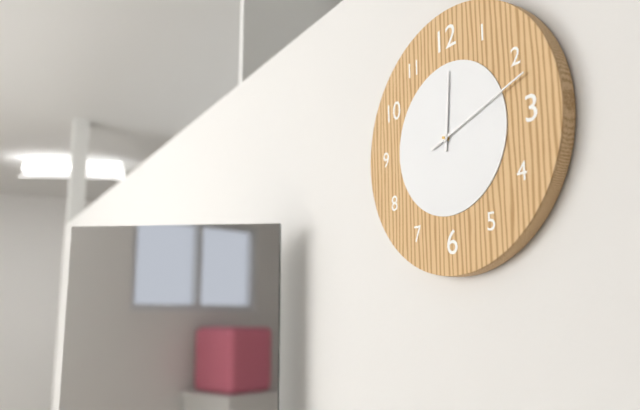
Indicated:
12 h 12 min
